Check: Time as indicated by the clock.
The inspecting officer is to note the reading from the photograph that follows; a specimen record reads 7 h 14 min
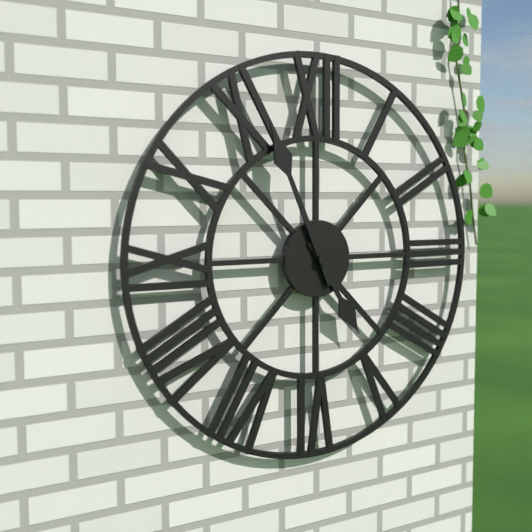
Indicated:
4 h 56 min
